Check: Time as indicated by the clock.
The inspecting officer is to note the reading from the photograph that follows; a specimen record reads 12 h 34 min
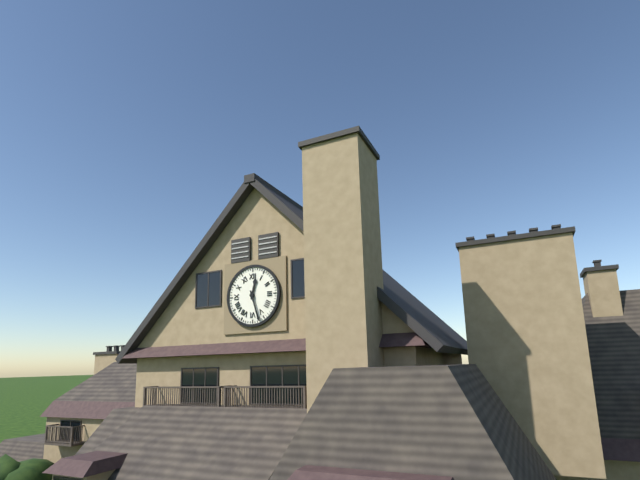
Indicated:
12 h 27 min
